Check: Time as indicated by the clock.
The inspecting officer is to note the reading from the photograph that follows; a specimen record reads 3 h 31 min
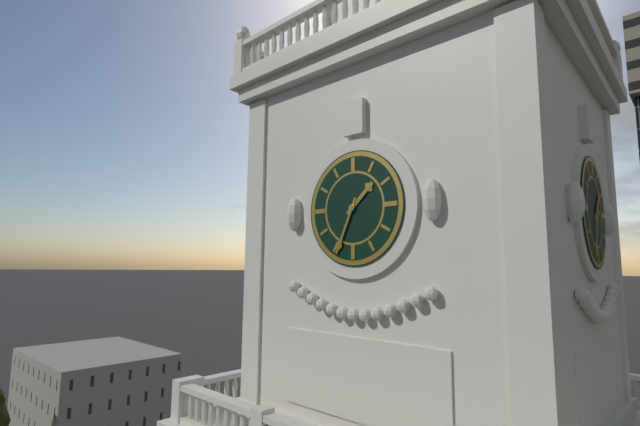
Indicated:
1 h 34 min
